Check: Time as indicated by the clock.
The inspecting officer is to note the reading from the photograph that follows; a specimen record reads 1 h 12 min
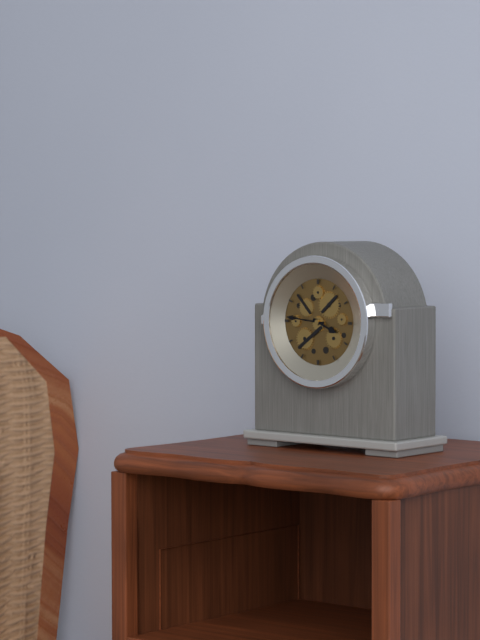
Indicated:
3 h 46 min
